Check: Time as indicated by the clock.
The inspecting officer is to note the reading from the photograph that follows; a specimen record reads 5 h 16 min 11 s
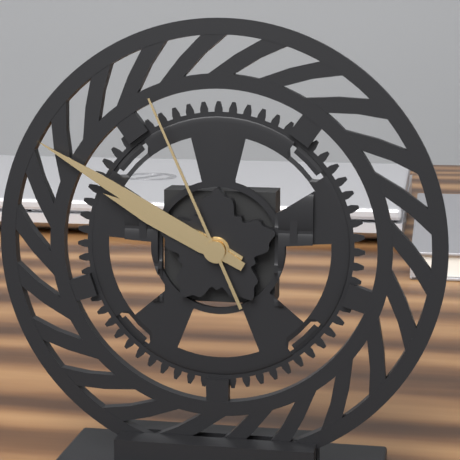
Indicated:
9 h 50 min 56 s
